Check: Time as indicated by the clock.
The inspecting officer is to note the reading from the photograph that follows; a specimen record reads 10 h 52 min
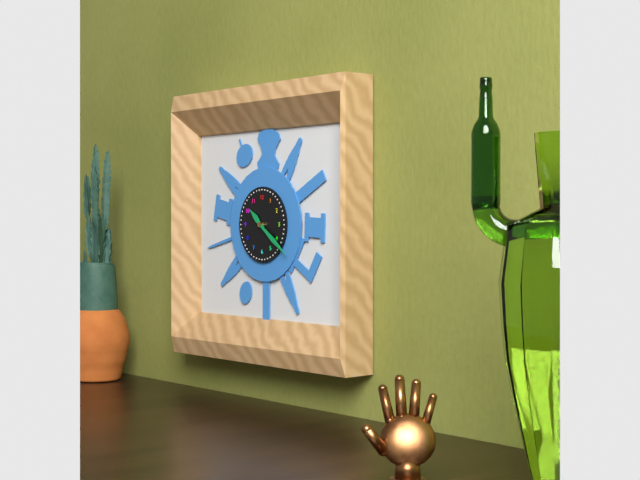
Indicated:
10 h 21 min
